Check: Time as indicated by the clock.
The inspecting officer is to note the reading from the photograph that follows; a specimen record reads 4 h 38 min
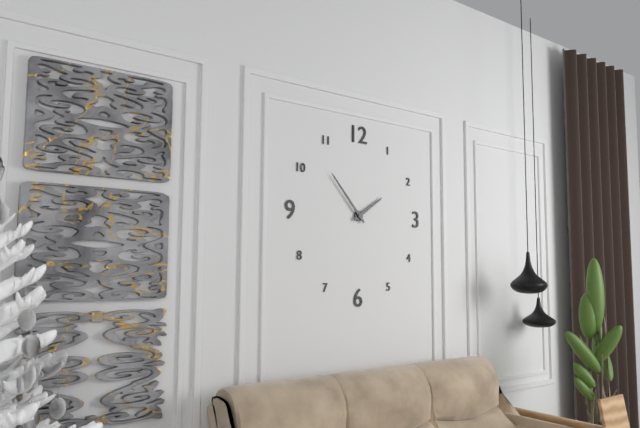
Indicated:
1 h 53 min
